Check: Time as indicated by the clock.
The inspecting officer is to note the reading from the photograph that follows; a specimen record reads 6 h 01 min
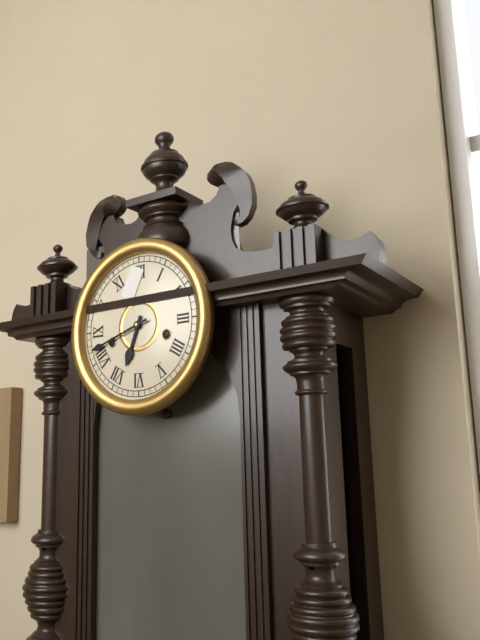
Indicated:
6 h 42 min
